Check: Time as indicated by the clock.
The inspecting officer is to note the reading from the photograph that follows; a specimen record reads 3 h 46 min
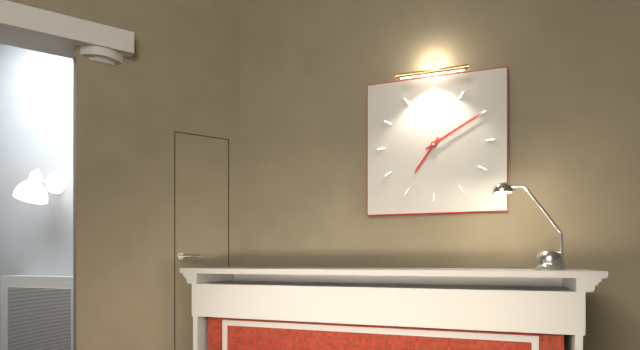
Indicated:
7 h 10 min
